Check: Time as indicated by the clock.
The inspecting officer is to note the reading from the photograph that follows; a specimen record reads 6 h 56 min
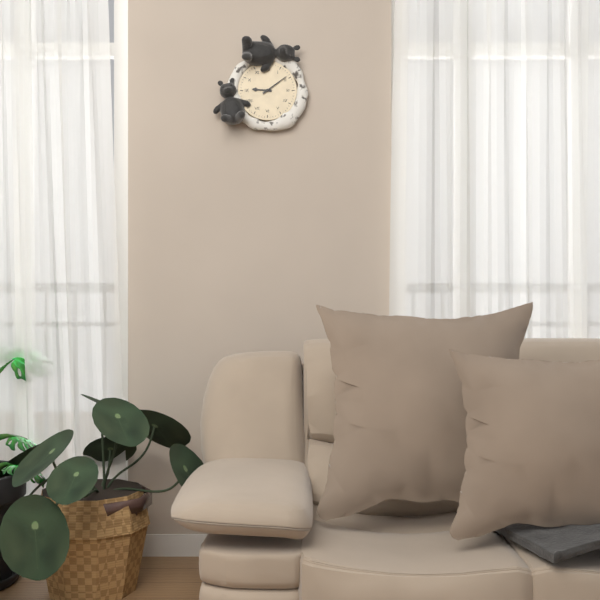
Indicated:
9 h 09 min
